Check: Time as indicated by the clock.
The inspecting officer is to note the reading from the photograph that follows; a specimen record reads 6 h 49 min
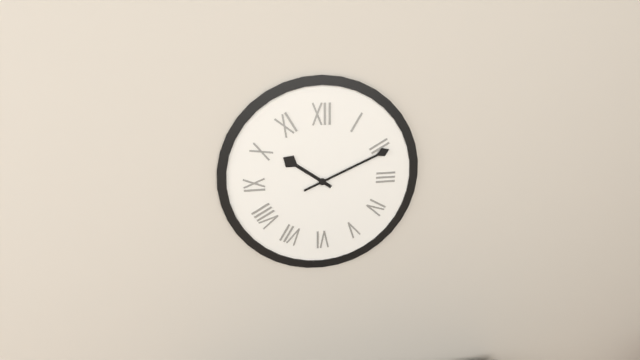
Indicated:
10 h 11 min
